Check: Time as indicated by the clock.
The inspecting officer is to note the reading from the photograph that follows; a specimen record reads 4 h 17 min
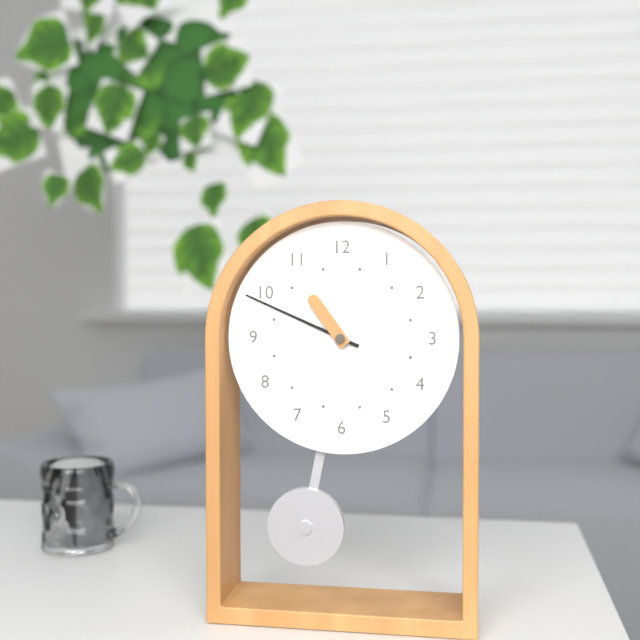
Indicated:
10 h 49 min
